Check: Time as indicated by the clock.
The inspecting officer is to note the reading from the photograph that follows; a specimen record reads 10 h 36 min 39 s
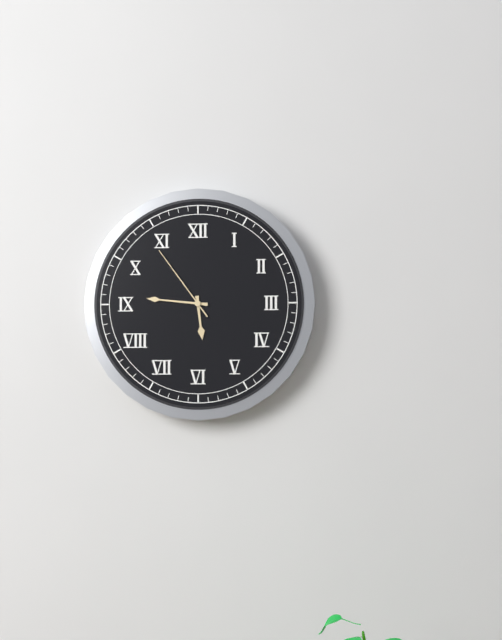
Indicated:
5 h 46 min 54 s
